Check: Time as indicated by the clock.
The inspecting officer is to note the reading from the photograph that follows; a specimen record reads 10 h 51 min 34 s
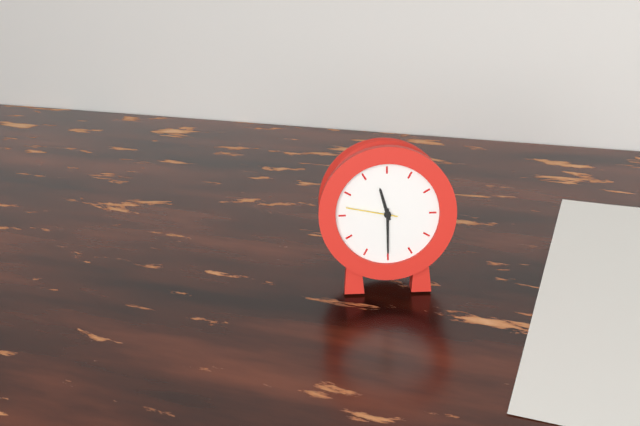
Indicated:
11 h 30 min 47 s
